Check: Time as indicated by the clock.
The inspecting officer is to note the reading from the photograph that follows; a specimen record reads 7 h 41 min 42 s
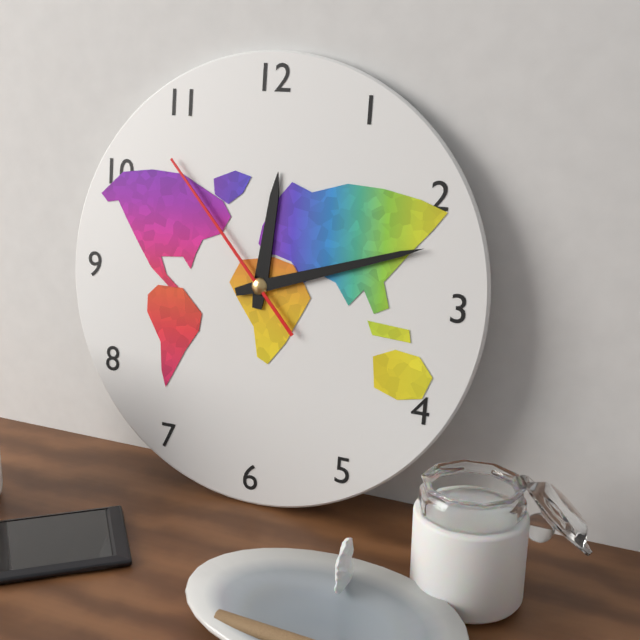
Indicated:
12 h 12 min 53 s
